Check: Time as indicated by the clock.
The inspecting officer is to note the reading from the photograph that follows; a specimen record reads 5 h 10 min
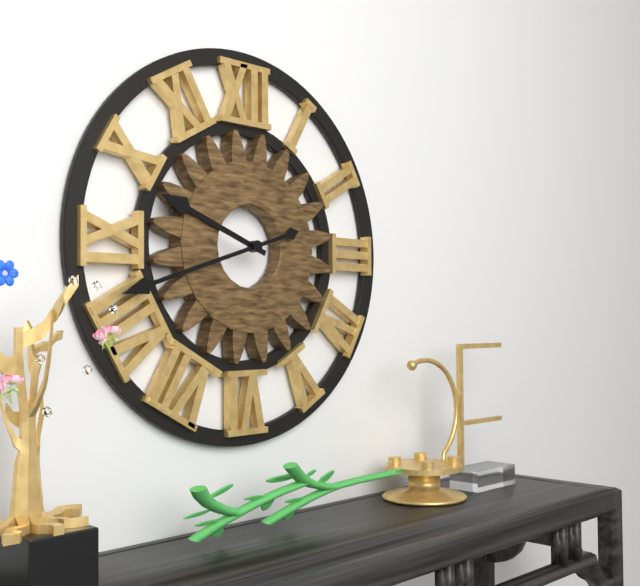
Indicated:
9 h 42 min
